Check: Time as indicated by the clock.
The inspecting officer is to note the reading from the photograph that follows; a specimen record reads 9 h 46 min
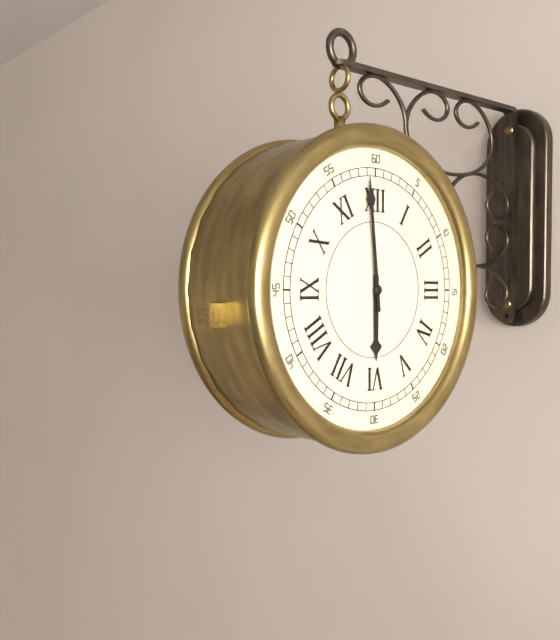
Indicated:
5 h 59 min
